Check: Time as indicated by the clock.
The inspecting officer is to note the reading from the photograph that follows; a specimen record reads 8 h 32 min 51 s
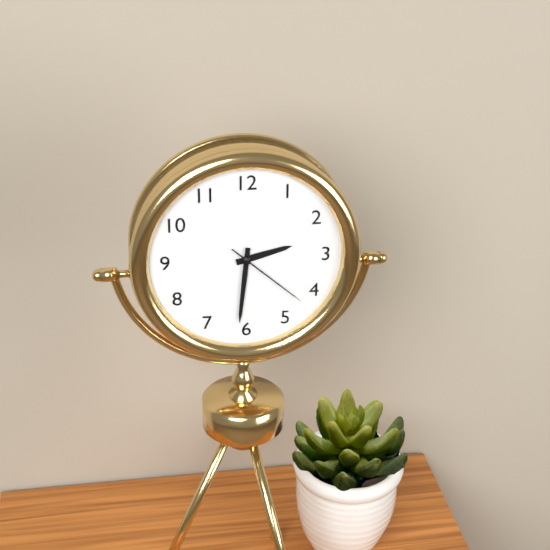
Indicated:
2 h 31 min 22 s
